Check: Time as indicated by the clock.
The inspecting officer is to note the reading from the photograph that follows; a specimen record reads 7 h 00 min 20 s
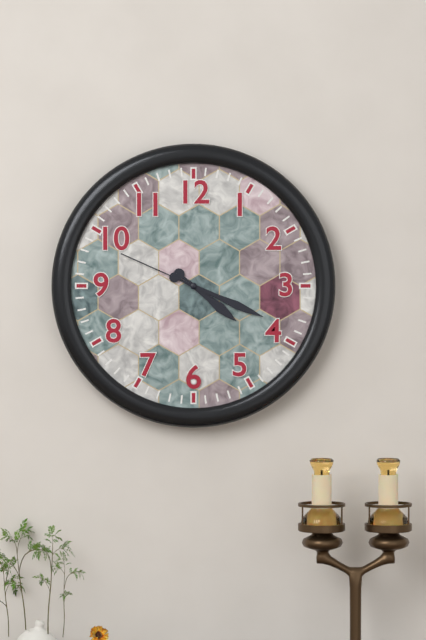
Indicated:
4 h 19 min 49 s
